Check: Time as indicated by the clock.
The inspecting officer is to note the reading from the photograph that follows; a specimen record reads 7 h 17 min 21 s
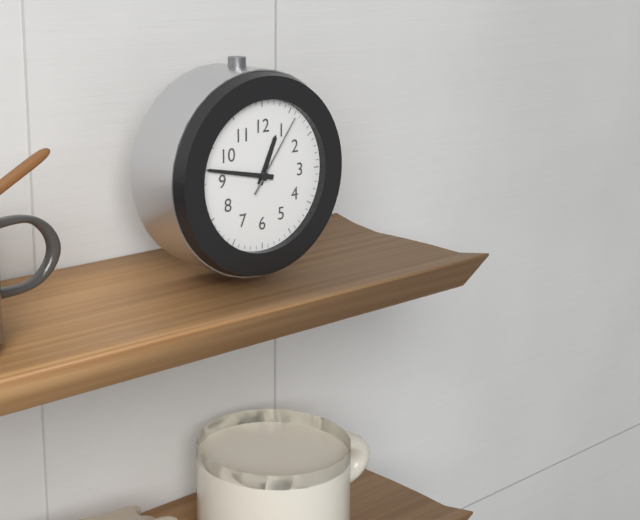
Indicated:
12 h 47 min 06 s
